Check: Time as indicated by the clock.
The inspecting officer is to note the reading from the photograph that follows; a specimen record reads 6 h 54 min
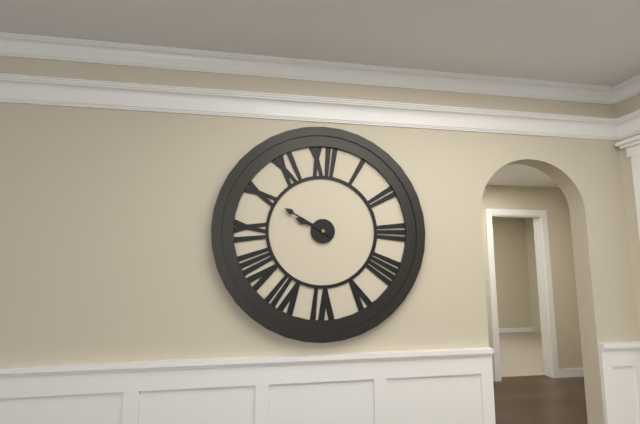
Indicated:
9 h 50 min
